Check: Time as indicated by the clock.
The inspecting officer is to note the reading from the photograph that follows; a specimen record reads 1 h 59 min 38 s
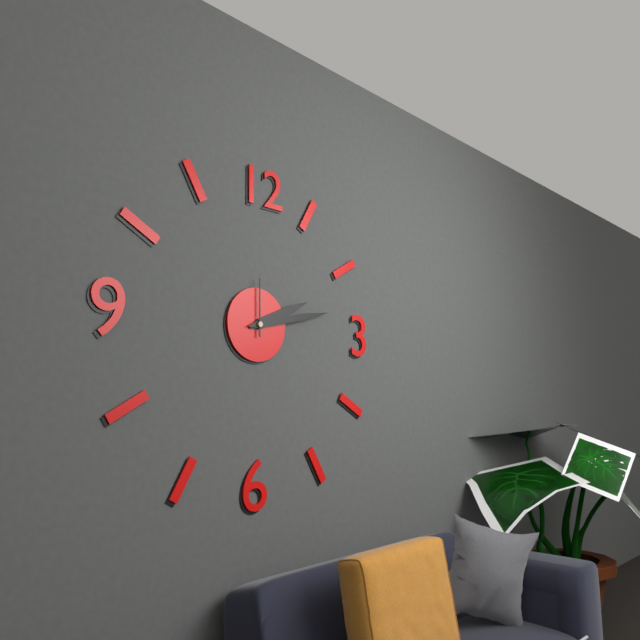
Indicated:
2 h 13 min 00 s
